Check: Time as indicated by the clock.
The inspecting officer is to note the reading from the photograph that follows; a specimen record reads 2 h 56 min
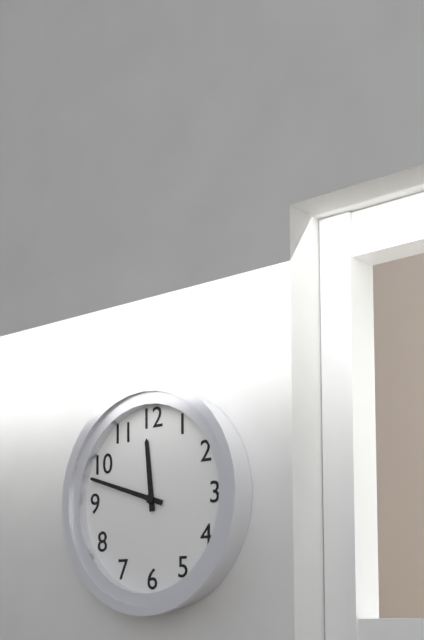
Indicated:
11 h 48 min
